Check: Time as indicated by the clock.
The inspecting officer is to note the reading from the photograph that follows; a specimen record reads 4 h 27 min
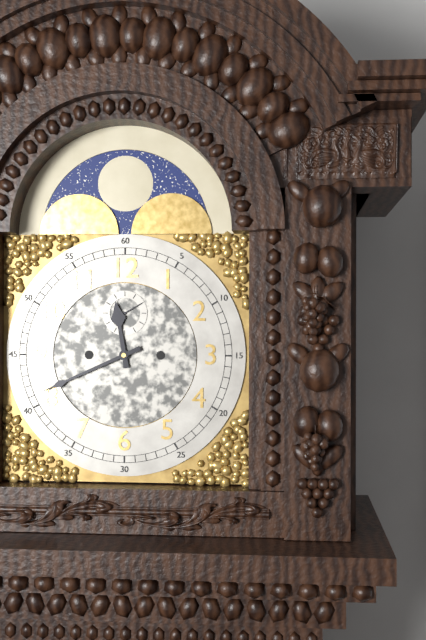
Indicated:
11 h 41 min
